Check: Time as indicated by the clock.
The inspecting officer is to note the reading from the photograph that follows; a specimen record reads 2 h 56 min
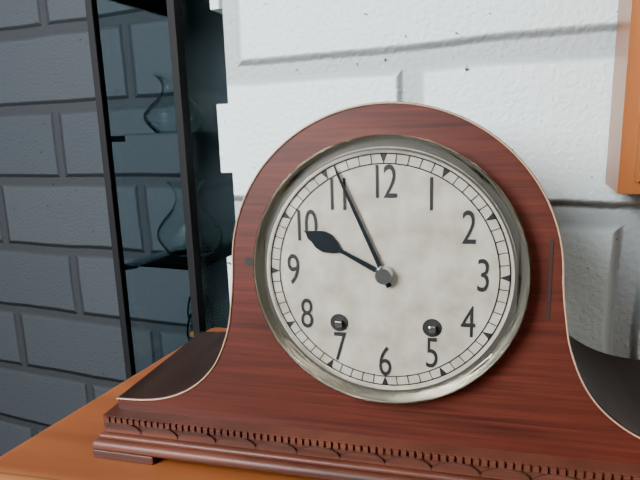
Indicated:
9 h 56 min
